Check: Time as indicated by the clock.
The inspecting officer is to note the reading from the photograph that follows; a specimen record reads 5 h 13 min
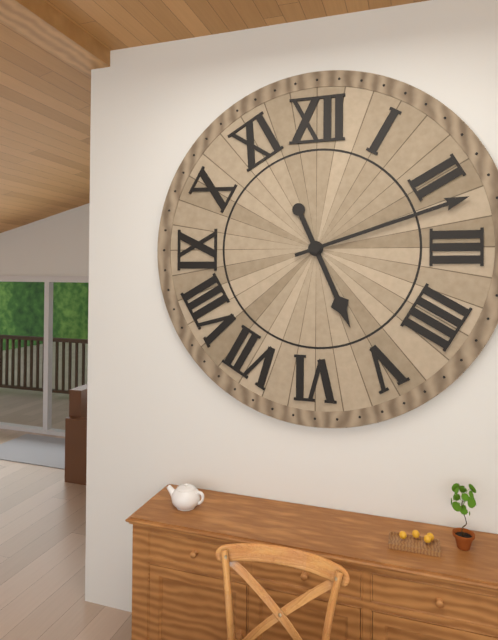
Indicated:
5 h 12 min
